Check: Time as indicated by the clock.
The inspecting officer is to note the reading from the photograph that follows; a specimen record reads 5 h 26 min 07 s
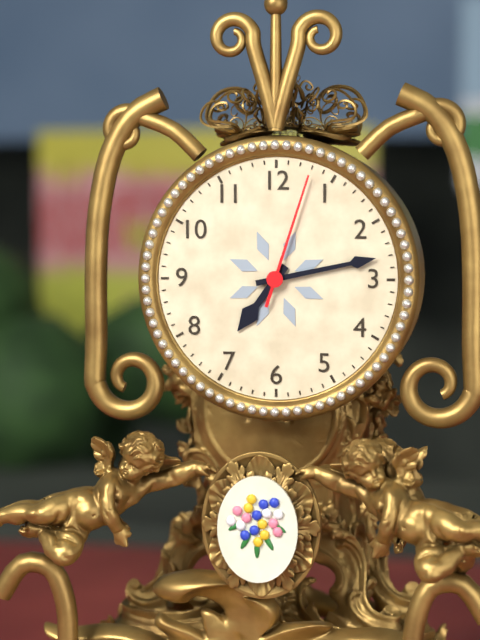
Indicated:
7 h 13 min 03 s
